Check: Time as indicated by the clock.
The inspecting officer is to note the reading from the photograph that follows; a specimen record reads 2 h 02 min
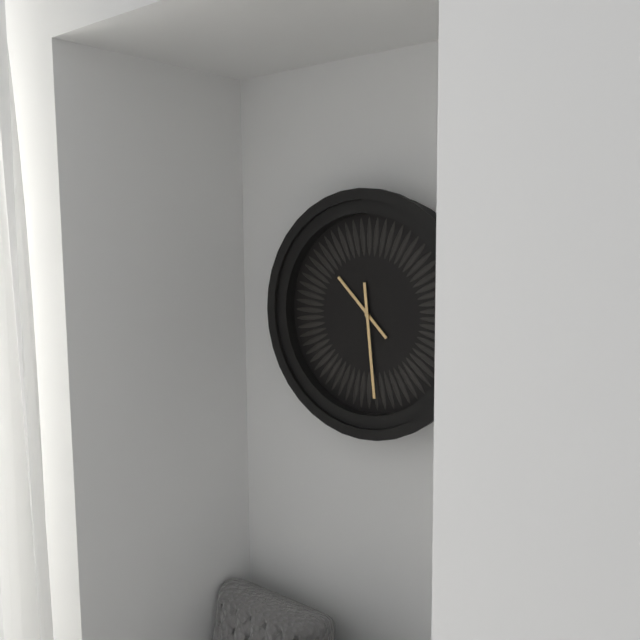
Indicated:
10 h 29 min
